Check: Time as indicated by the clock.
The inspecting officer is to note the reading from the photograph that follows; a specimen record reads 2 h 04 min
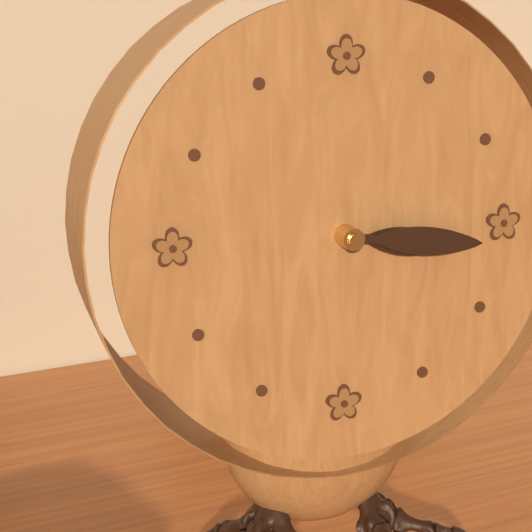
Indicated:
3 h 16 min
